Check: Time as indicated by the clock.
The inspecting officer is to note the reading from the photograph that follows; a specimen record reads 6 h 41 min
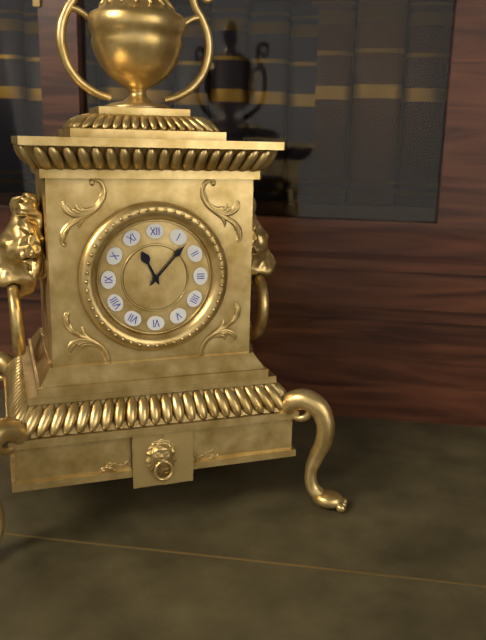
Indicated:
11 h 07 min
